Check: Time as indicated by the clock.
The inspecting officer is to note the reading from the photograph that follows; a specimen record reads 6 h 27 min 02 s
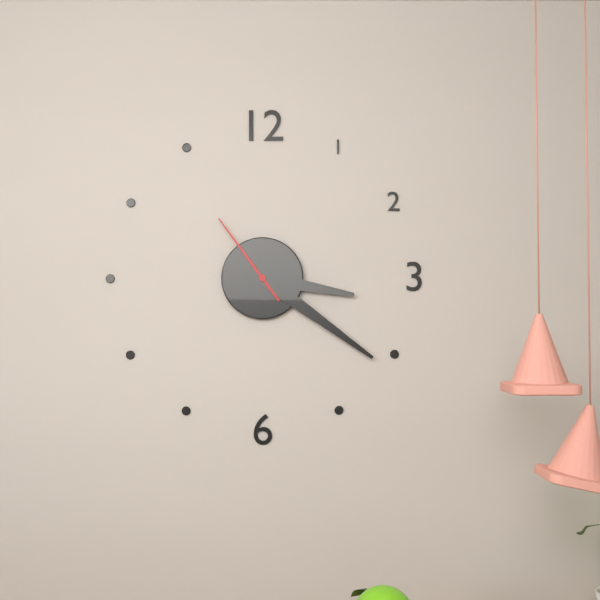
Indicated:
3 h 21 min 54 s
